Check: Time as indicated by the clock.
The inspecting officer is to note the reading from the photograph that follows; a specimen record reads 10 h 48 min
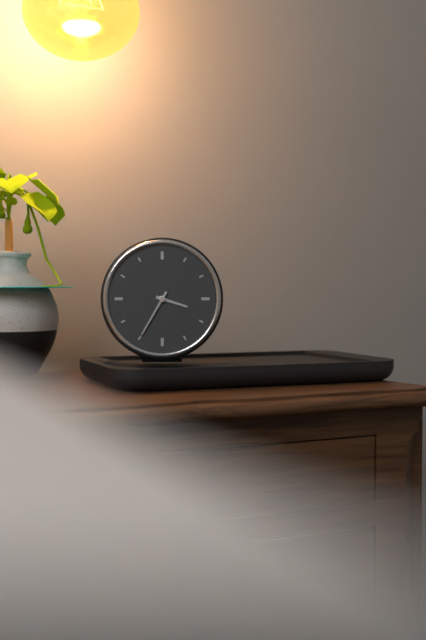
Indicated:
3 h 35 min
